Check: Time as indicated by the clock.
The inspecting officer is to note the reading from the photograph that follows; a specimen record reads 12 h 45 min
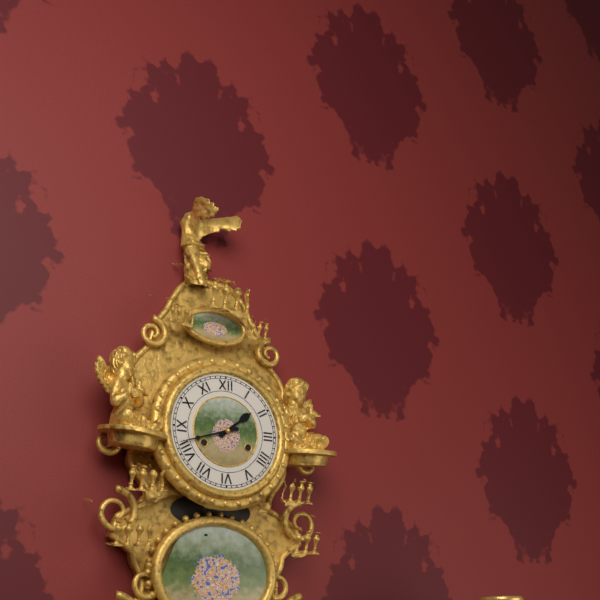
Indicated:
1 h 42 min
